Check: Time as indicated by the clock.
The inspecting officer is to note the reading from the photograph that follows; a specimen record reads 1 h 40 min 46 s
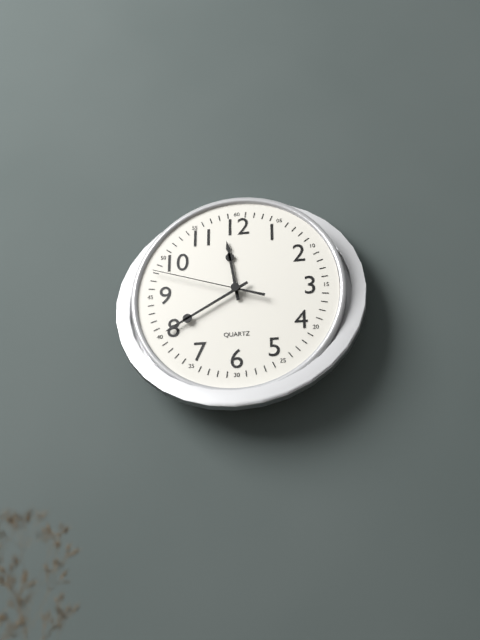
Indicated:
11 h 40 min 48 s
